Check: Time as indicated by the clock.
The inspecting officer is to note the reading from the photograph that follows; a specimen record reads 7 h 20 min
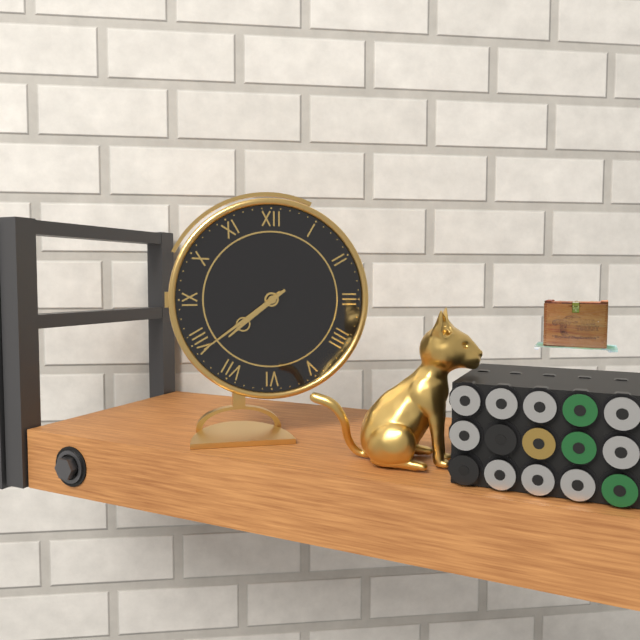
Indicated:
7 h 39 min
